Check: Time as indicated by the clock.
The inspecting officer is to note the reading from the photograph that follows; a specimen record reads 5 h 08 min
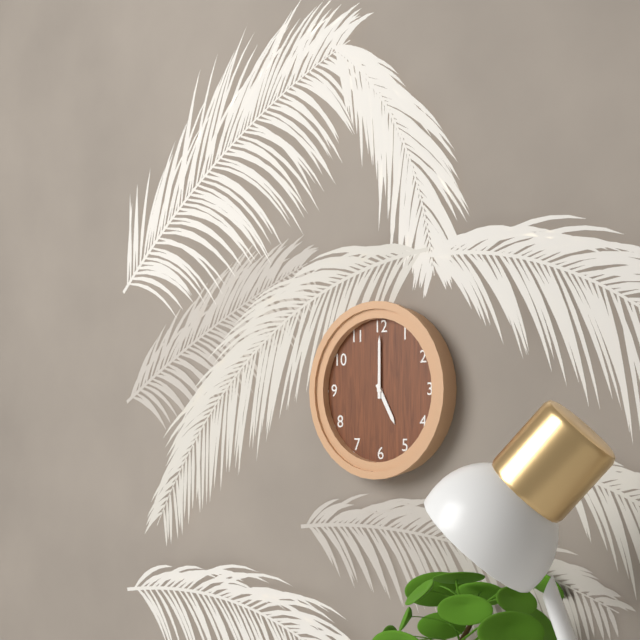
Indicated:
5 h 00 min
